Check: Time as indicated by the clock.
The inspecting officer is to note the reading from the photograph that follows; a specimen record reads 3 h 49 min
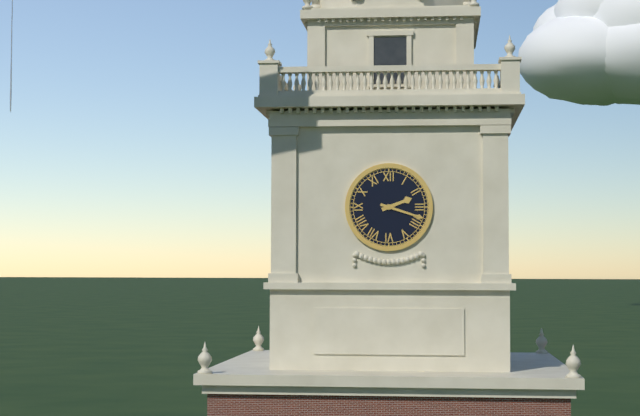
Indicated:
2 h 18 min
